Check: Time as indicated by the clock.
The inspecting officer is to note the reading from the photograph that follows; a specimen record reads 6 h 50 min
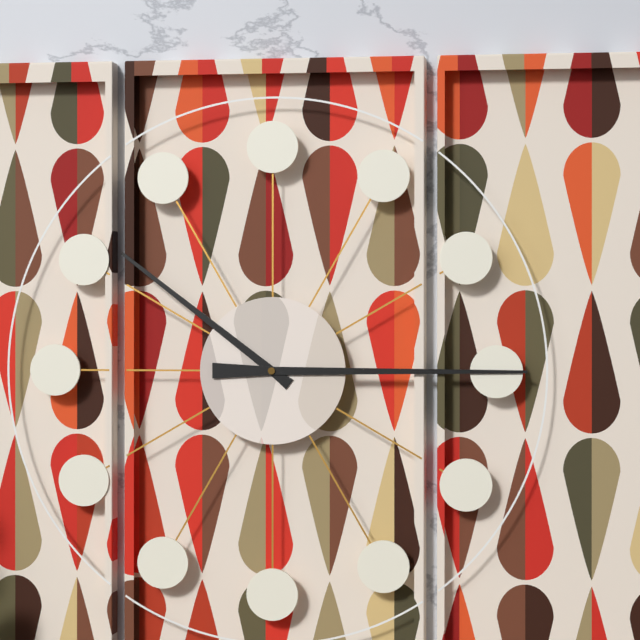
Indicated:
10 h 15 min
